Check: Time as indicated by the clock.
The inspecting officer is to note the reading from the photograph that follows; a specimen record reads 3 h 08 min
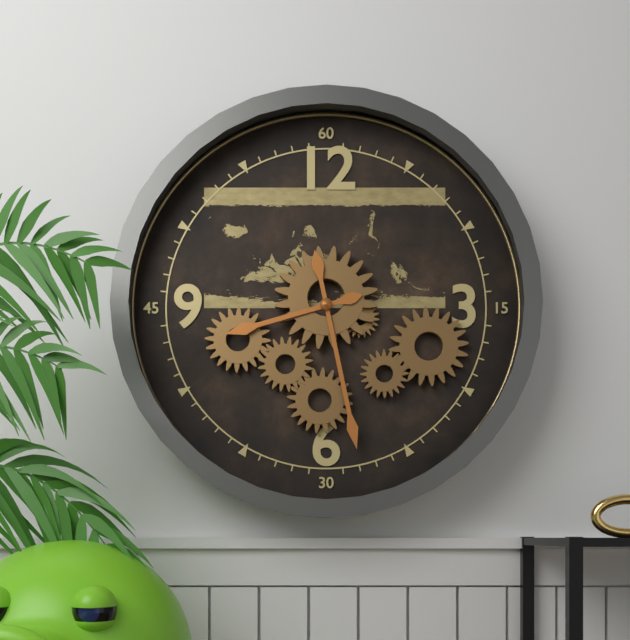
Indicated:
8 h 28 min
